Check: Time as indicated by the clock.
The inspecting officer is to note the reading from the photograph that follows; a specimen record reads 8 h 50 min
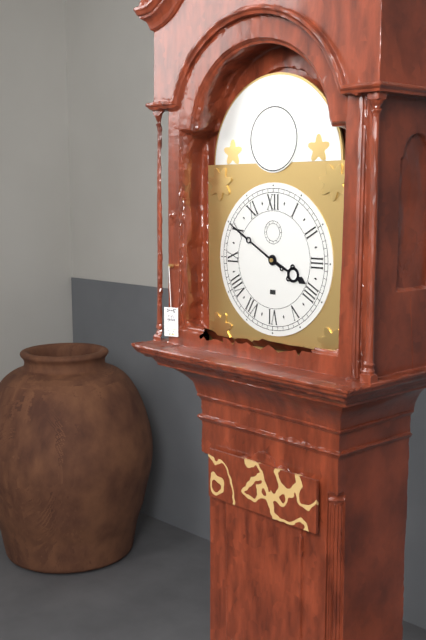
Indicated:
3 h 50 min
